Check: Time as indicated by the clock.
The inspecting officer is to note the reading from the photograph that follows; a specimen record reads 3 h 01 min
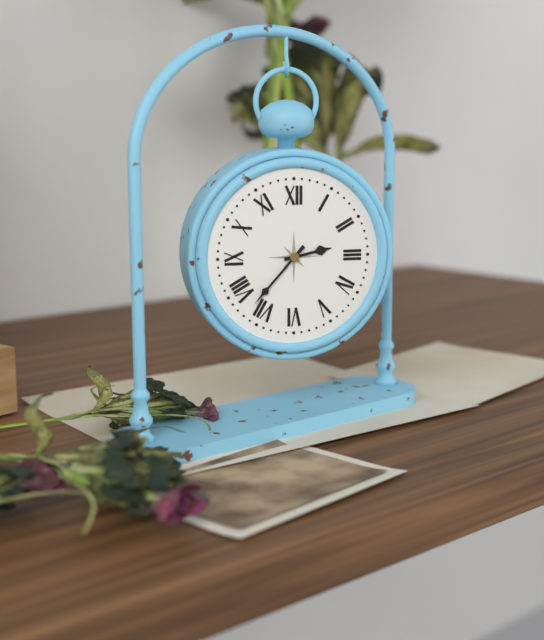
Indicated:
2 h 37 min
